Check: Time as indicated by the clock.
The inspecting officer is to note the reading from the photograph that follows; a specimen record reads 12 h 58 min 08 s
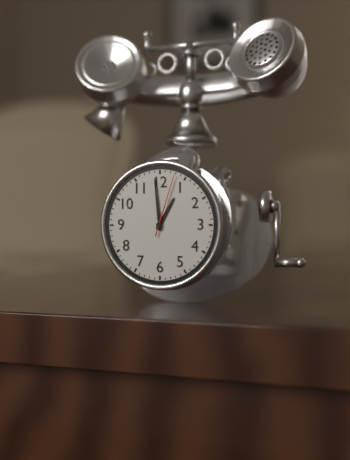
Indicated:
12 h 59 min 03 s
